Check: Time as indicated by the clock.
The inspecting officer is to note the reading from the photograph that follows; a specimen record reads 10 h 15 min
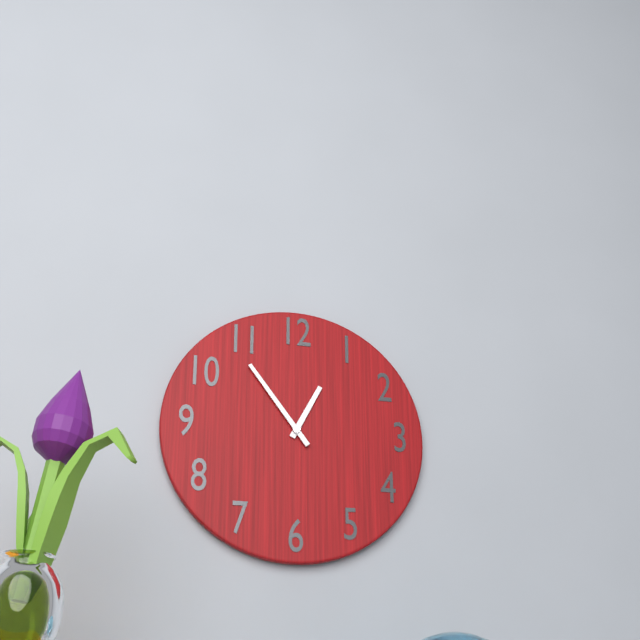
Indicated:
12 h 54 min
